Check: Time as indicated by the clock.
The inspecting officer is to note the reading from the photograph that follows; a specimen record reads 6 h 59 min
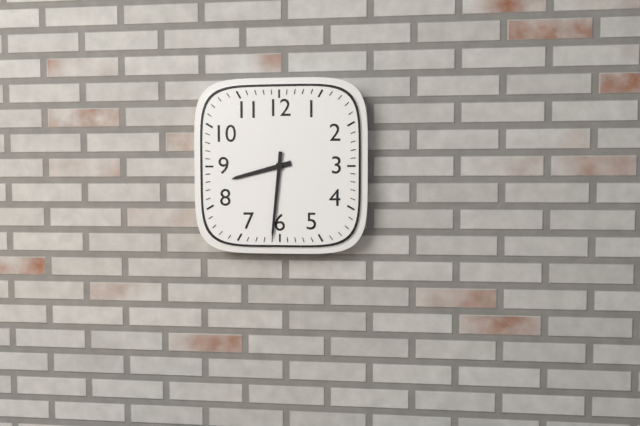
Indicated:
8 h 31 min
